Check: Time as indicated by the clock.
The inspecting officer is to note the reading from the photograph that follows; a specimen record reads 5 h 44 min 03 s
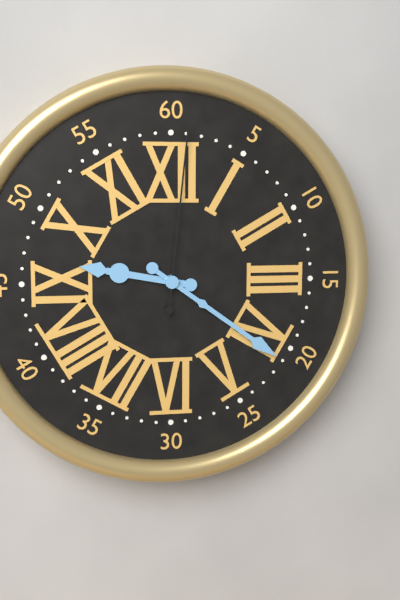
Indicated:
9 h 21 min 01 s
